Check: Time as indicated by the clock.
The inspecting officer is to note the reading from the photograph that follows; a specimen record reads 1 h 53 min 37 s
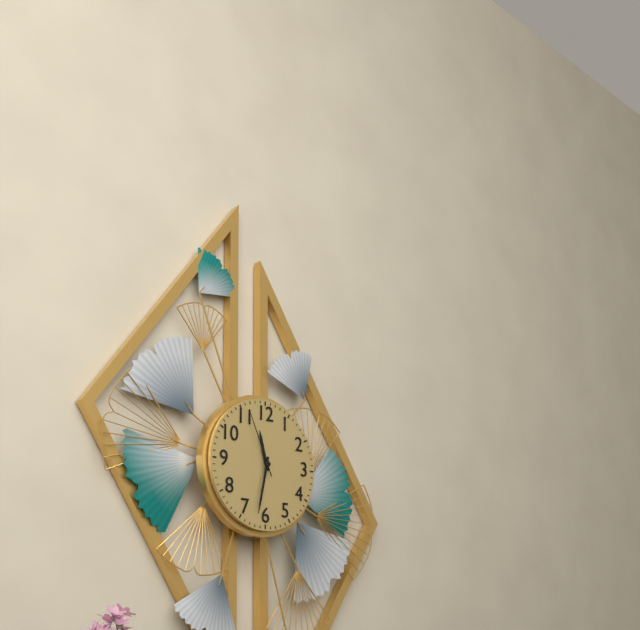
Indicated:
11 h 32 min 56 s
